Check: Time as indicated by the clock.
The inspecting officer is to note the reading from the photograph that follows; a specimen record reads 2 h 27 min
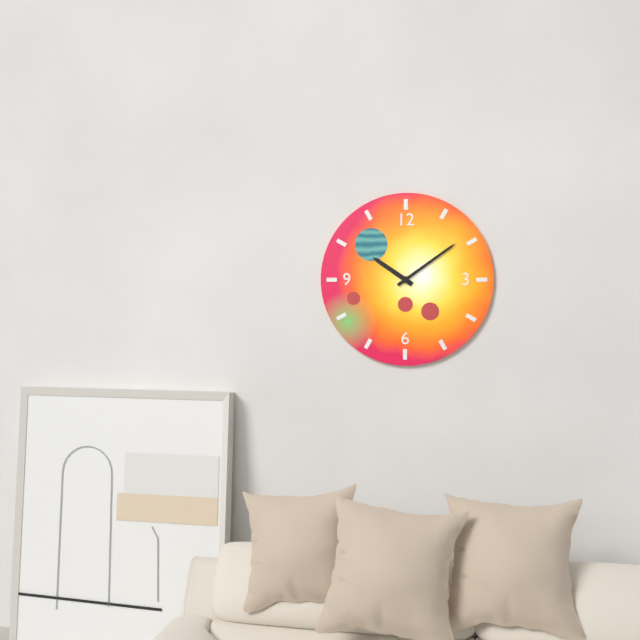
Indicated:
10 h 09 min
